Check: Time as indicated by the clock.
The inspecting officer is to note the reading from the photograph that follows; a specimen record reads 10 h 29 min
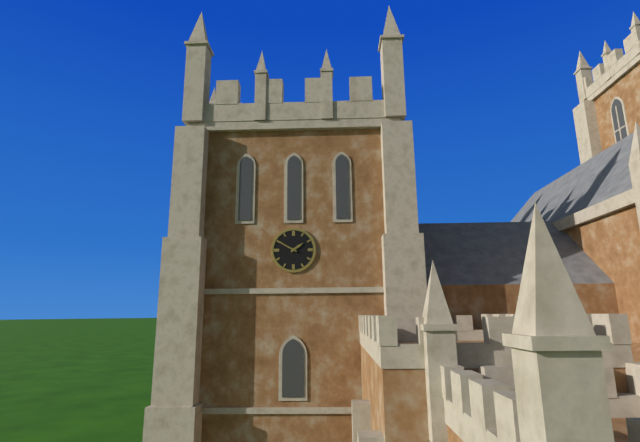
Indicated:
1 h 50 min
